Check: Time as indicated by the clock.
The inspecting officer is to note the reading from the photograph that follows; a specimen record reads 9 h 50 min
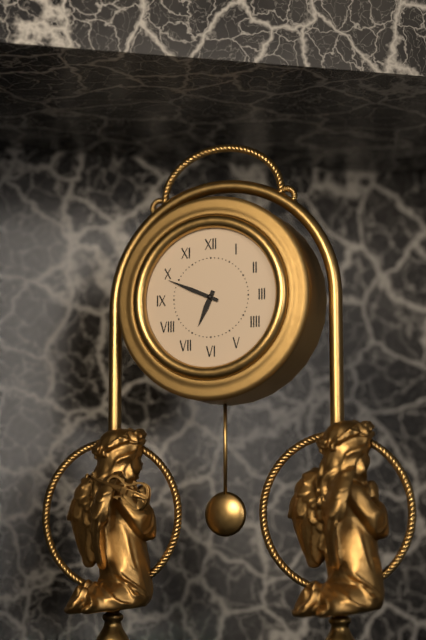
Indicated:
6 h 49 min
